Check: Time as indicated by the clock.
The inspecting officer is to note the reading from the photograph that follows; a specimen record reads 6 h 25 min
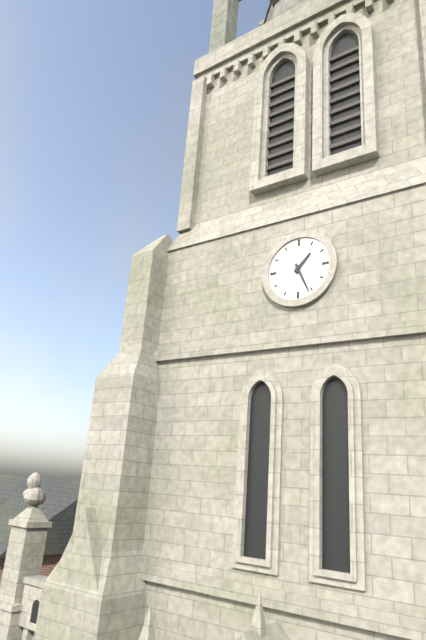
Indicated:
1 h 26 min
